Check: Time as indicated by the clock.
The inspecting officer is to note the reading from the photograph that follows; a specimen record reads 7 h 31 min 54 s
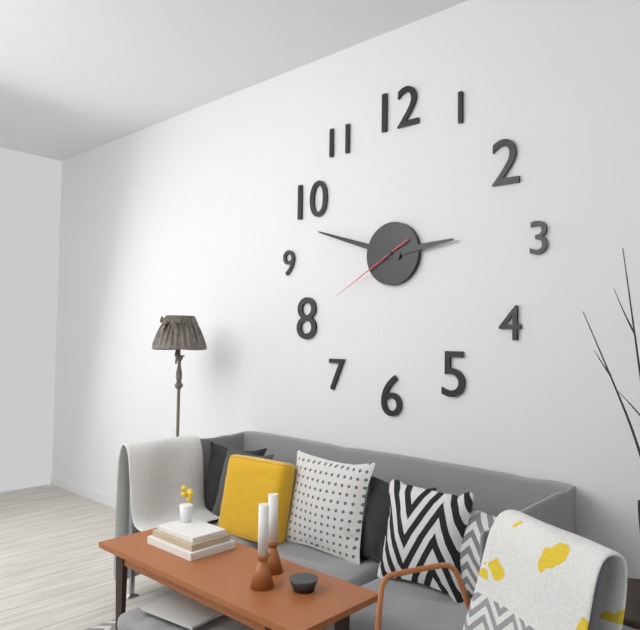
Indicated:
2 h 48 min 40 s
